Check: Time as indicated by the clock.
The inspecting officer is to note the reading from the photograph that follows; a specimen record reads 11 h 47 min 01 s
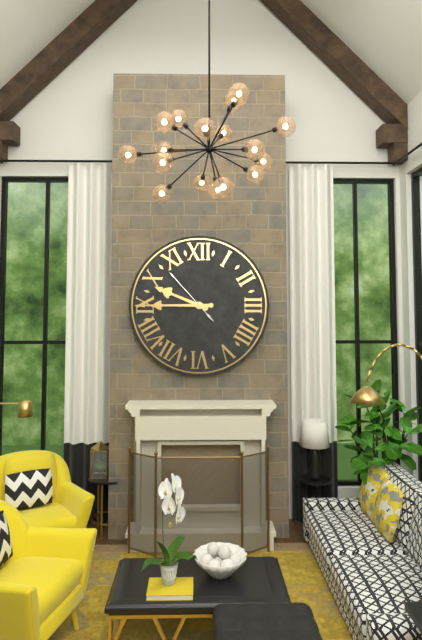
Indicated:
9 h 45 min 53 s
